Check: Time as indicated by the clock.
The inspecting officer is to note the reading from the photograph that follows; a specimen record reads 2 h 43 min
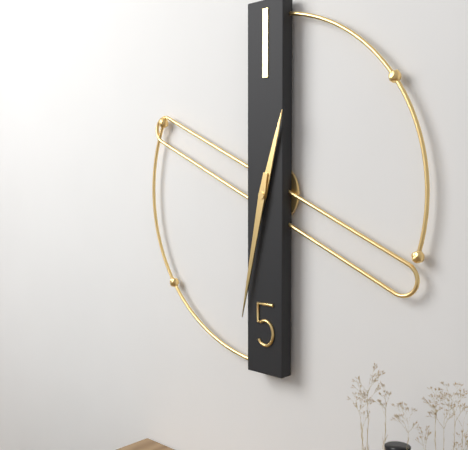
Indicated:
12 h 32 min
